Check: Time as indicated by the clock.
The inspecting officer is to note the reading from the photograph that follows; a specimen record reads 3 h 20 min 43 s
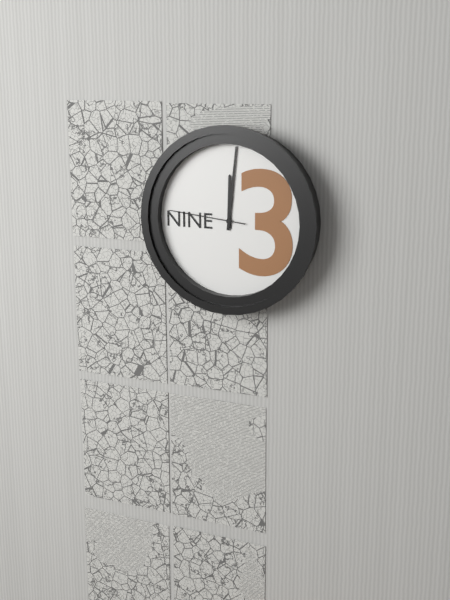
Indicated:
12 h 01 min 46 s
